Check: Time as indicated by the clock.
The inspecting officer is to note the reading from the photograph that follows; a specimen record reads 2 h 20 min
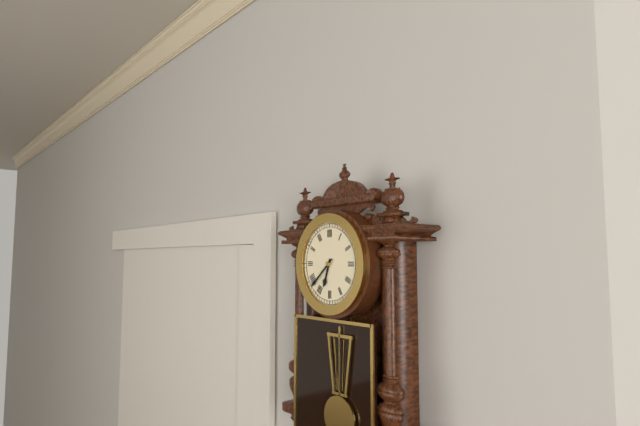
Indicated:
6 h 38 min
